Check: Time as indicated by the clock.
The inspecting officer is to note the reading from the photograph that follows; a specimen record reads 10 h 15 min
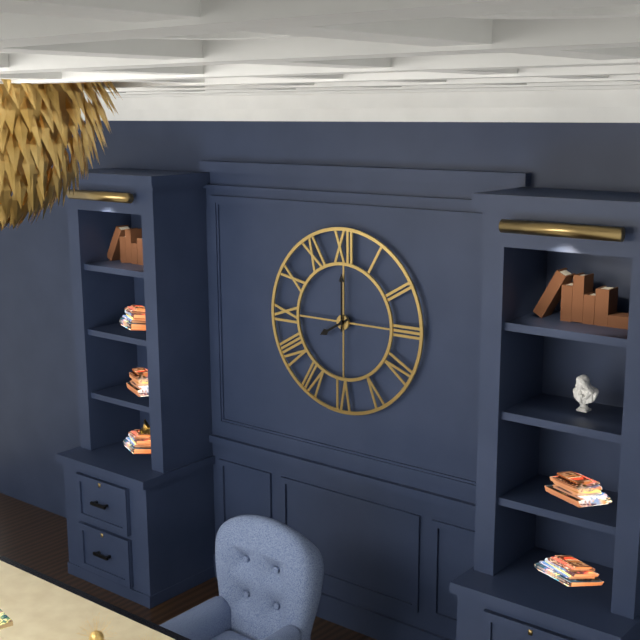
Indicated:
8 h 00 min
